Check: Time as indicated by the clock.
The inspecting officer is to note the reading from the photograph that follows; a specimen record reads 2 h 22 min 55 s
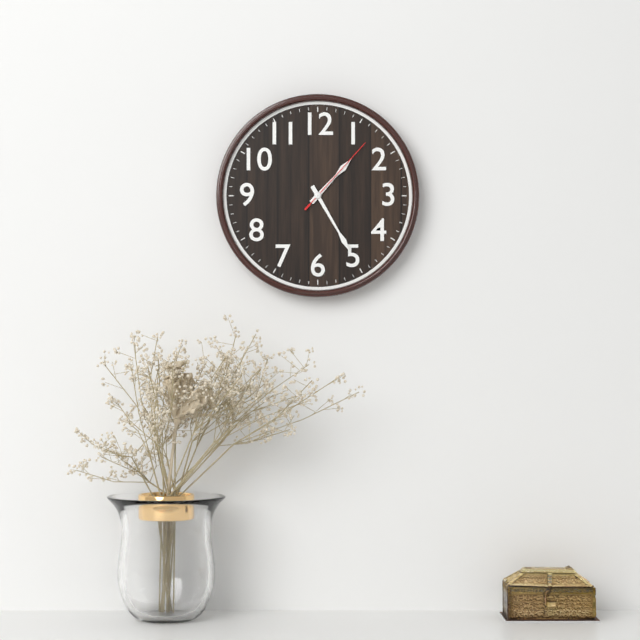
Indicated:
1 h 25 min 07 s
